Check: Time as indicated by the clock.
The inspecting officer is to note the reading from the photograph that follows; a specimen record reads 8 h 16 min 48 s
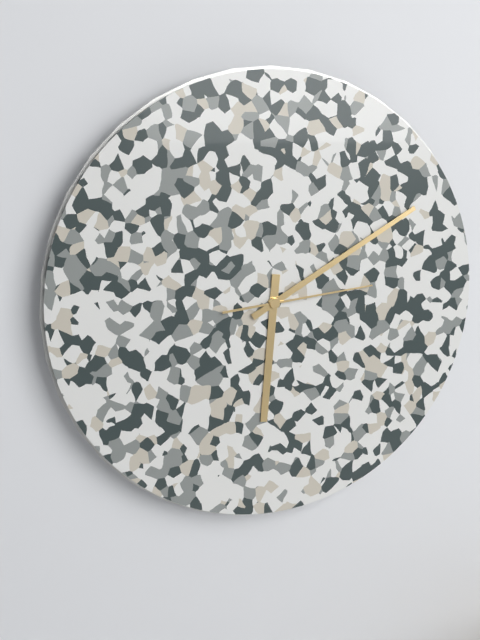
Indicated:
6 h 10 min 14 s
